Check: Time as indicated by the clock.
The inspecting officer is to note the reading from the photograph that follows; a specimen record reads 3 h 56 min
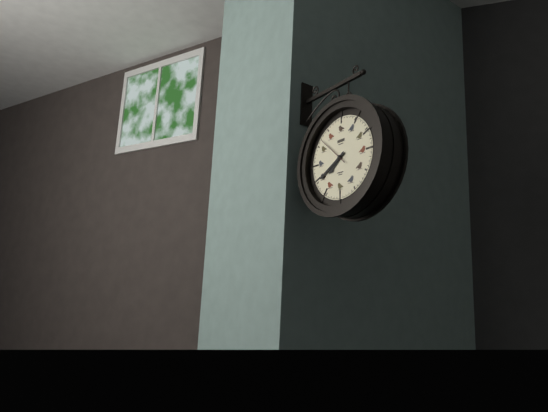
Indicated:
7 h 40 min
